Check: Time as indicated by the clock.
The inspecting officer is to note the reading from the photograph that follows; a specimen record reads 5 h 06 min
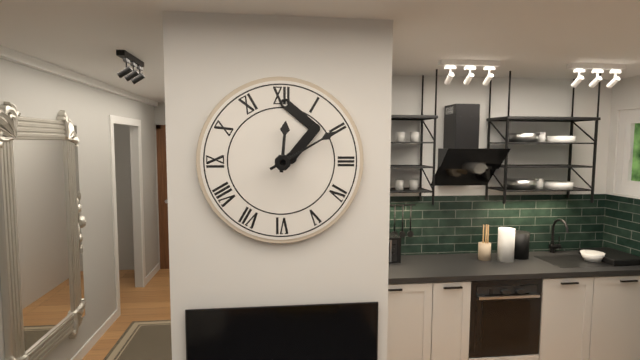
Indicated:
12 h 10 min
